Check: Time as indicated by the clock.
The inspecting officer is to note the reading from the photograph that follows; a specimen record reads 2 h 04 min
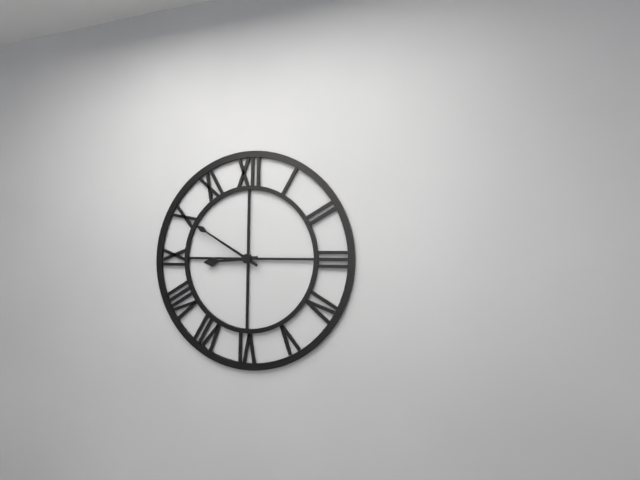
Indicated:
8 h 50 min
